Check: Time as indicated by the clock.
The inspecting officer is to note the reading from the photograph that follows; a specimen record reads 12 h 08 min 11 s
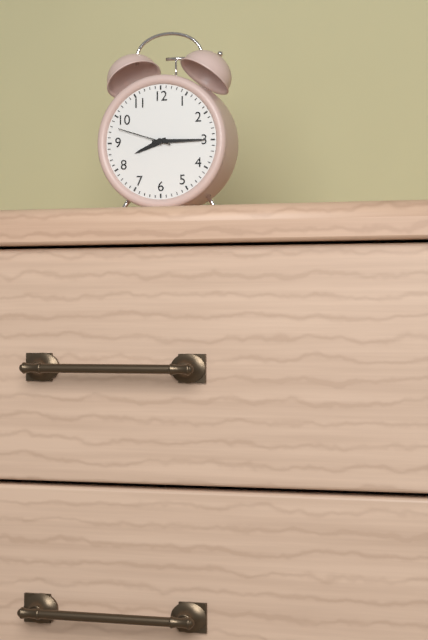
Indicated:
8 h 15 min 48 s
